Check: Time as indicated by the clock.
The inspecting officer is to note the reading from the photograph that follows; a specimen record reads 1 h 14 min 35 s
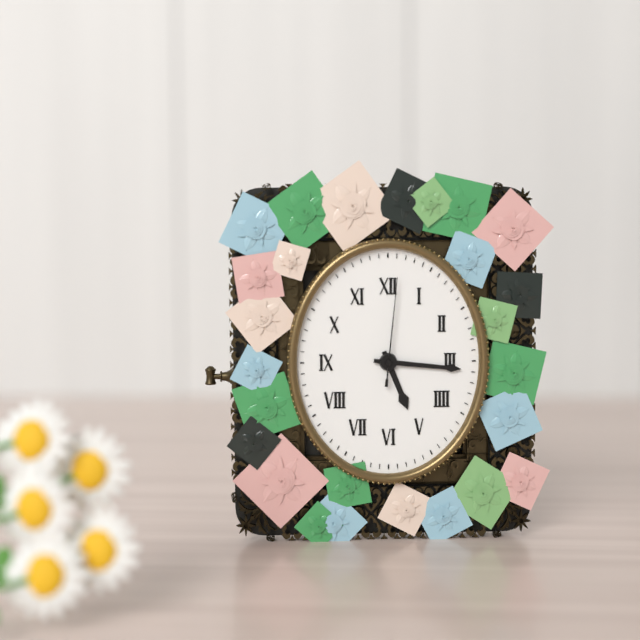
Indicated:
5 h 16 min 01 s
